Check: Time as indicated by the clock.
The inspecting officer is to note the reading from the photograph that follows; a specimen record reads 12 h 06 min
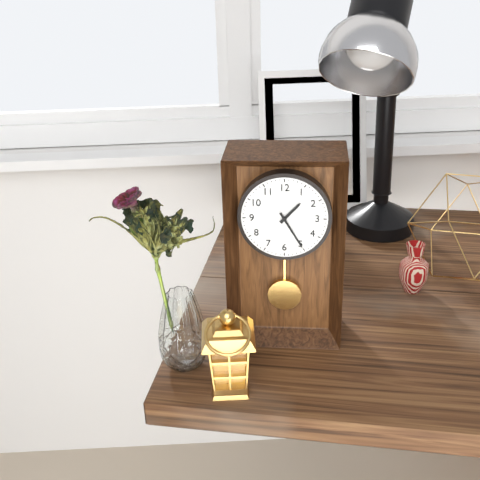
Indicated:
1 h 25 min
